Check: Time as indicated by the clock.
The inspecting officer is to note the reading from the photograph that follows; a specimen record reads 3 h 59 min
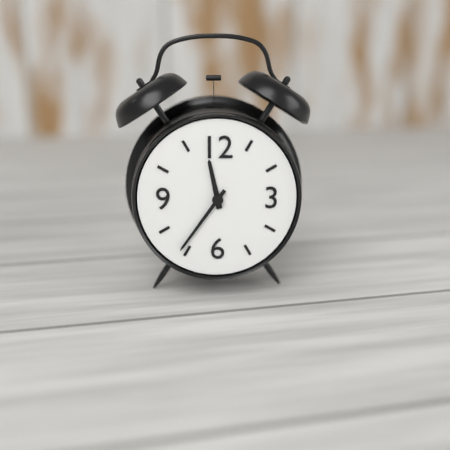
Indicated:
11 h 36 min
